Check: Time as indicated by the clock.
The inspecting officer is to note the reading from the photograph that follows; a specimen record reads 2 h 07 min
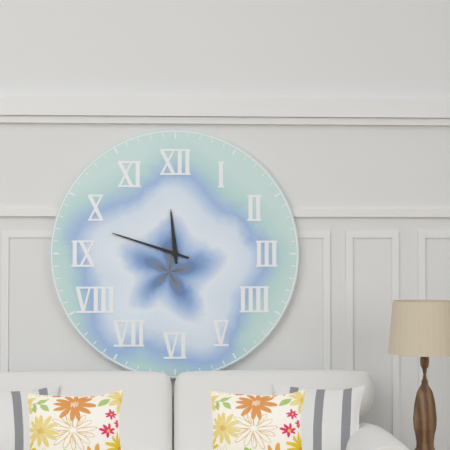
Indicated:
11 h 48 min
